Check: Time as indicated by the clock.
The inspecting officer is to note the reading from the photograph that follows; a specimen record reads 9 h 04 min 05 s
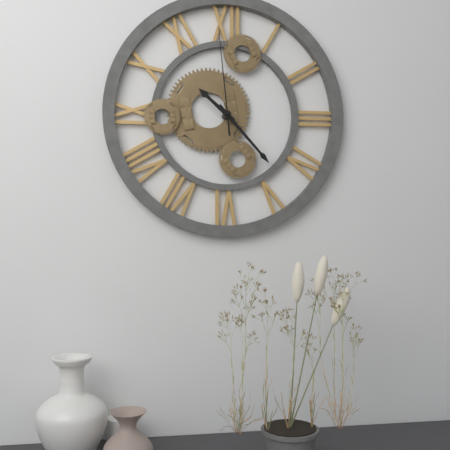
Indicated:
10 h 23 min 59 s
